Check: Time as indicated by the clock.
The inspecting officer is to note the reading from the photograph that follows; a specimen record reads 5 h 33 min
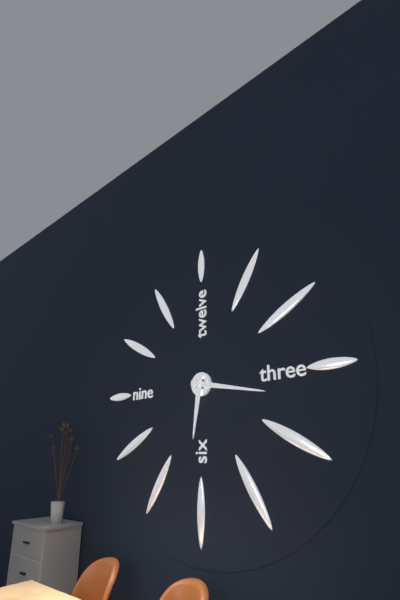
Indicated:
6 h 17 min
